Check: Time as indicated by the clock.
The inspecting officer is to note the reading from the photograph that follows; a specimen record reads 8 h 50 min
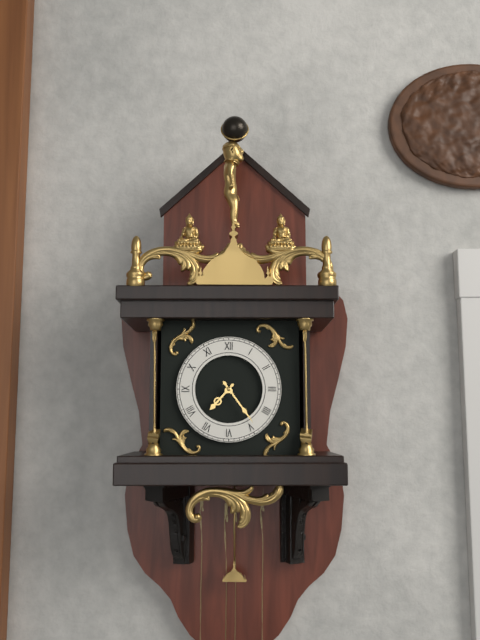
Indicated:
7 h 24 min
